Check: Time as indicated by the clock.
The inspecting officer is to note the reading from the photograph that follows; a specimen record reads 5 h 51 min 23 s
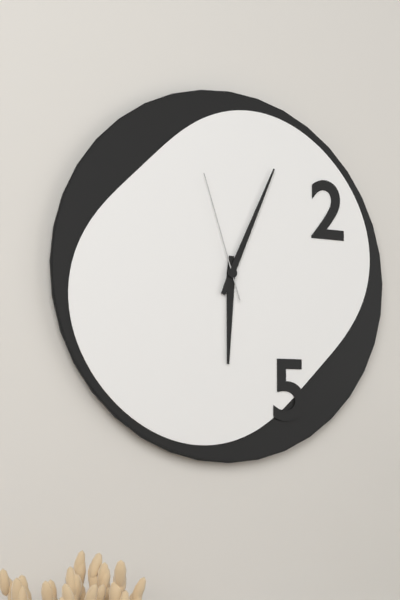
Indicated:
6 h 04 min 57 s
